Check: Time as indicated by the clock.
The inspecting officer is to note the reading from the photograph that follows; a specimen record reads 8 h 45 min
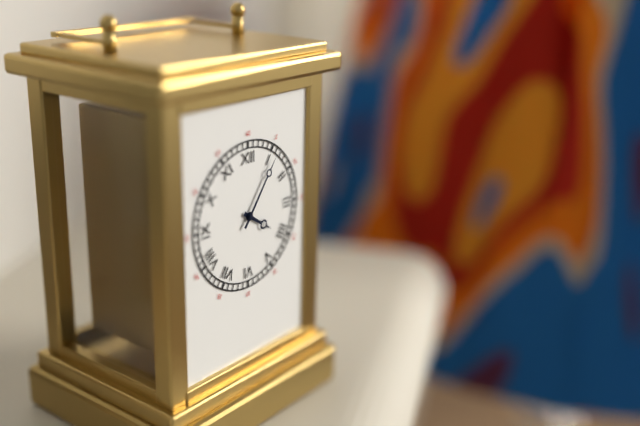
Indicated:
4 h 06 min
